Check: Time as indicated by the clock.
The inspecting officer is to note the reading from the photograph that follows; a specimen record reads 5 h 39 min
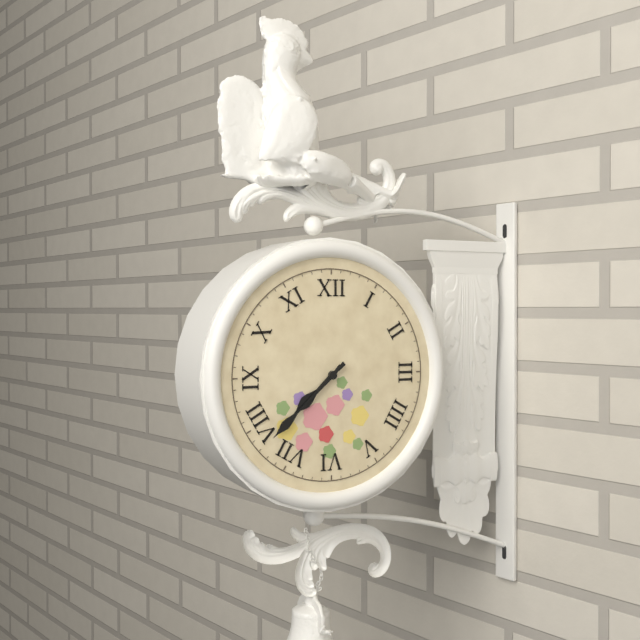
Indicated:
7 h 38 min
